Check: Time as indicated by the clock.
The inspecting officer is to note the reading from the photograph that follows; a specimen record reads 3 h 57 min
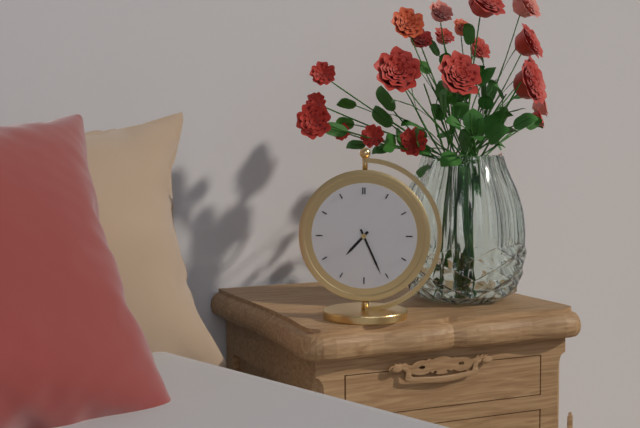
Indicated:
7 h 26 min
